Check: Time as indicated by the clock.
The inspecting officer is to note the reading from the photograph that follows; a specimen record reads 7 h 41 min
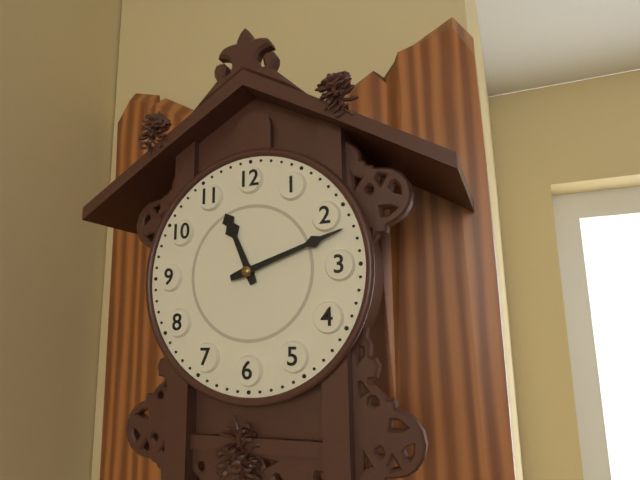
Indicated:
11 h 12 min
